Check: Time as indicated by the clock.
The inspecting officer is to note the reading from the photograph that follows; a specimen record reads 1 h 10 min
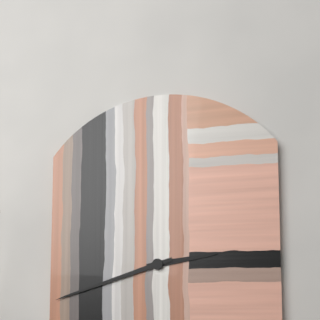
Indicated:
2 h 42 min
